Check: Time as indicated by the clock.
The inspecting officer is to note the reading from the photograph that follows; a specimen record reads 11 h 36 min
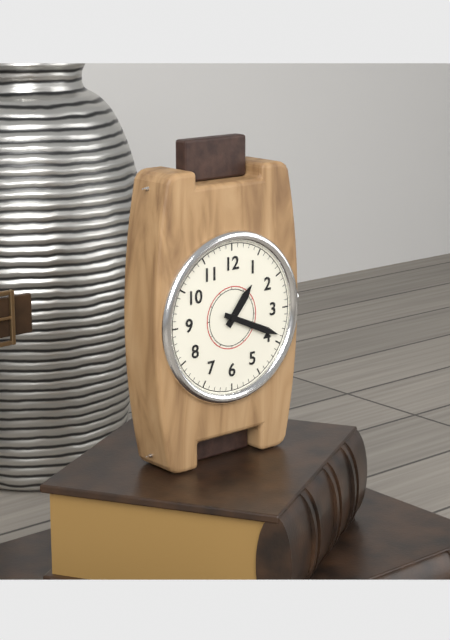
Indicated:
1 h 19 min
